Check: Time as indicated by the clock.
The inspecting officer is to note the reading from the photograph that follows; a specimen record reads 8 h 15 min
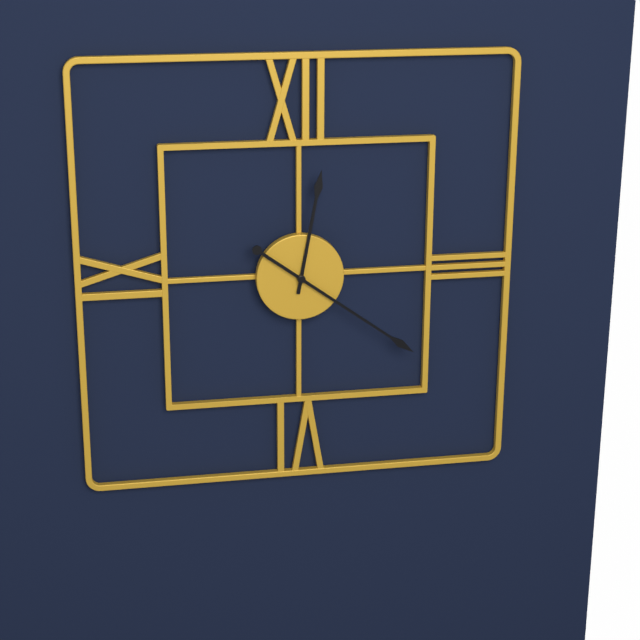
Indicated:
12 h 21 min
